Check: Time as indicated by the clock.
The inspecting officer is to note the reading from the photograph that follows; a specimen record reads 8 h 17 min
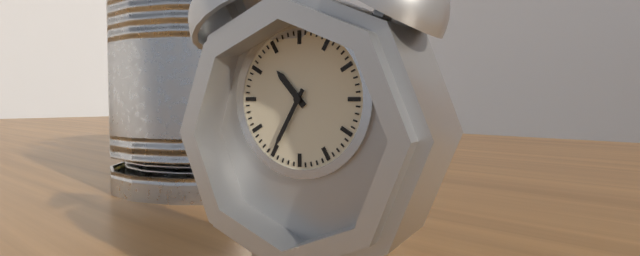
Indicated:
10 h 35 min
